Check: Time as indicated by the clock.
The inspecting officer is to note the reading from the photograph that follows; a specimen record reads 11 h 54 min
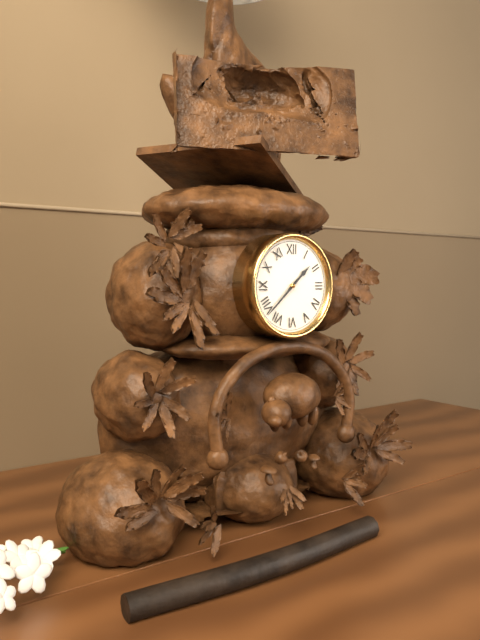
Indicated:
1 h 38 min
